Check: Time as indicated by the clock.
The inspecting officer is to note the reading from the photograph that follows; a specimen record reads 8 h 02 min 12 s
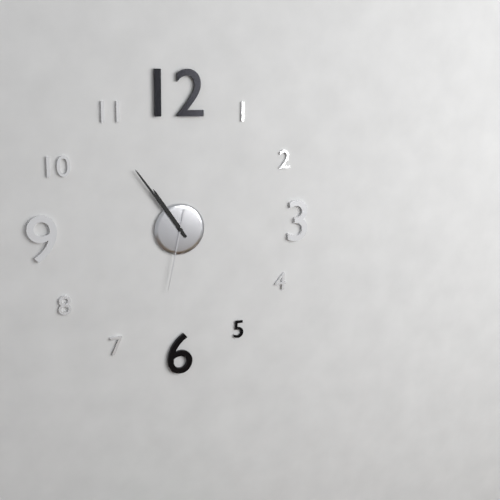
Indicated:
10 h 54 min 32 s
